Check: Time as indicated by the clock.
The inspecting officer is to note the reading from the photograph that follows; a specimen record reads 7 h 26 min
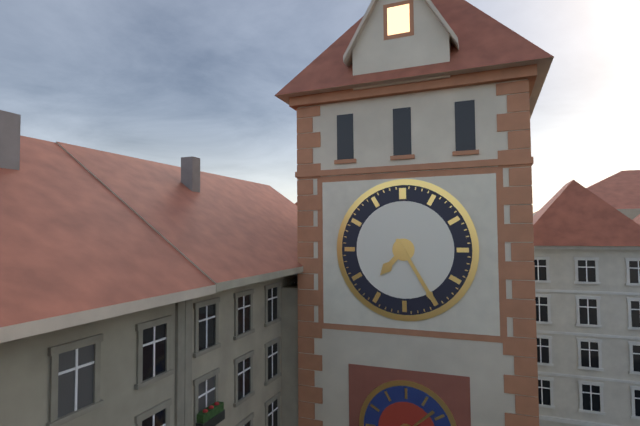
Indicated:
7 h 25 min
